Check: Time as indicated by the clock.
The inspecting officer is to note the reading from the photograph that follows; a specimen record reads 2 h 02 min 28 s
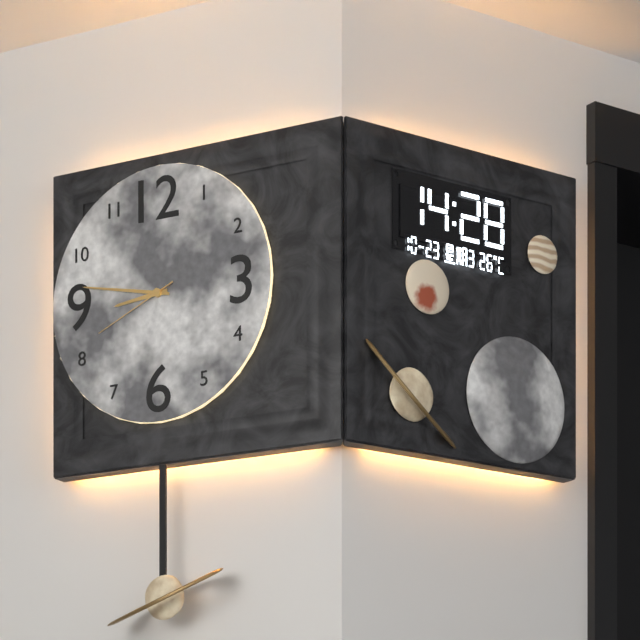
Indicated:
8 h 47 min 41 s
